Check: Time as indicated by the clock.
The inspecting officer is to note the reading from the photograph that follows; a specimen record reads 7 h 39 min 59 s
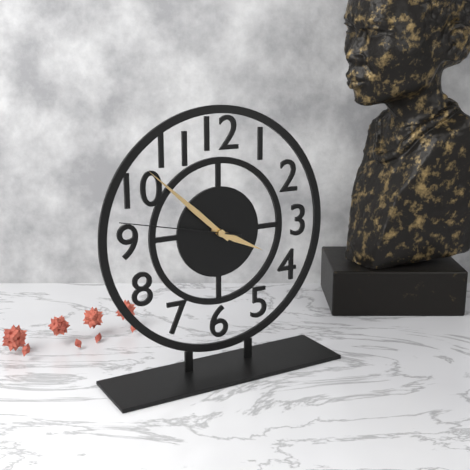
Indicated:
3 h 52 min 47 s
